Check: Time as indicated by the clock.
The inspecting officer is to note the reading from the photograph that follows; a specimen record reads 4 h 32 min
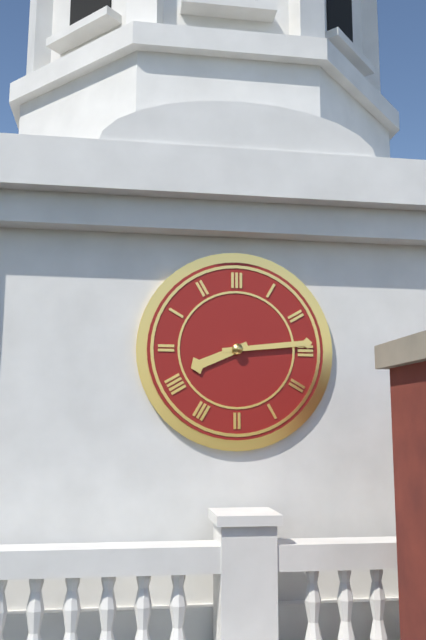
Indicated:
8 h 14 min
